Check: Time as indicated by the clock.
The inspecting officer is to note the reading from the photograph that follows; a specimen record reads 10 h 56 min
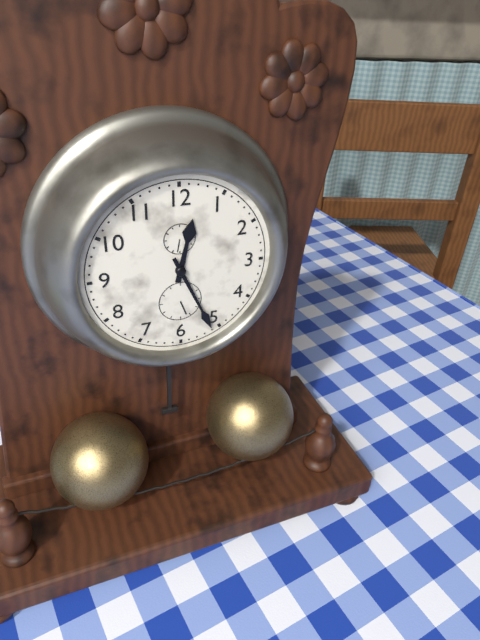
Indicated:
12 h 26 min
